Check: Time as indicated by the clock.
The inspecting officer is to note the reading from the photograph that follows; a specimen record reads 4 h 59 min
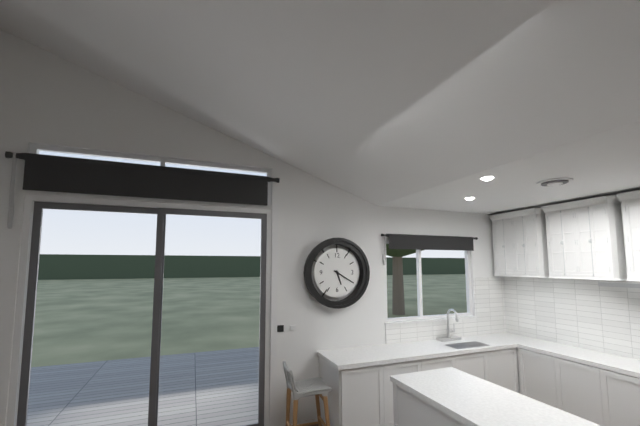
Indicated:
5 h 20 min
